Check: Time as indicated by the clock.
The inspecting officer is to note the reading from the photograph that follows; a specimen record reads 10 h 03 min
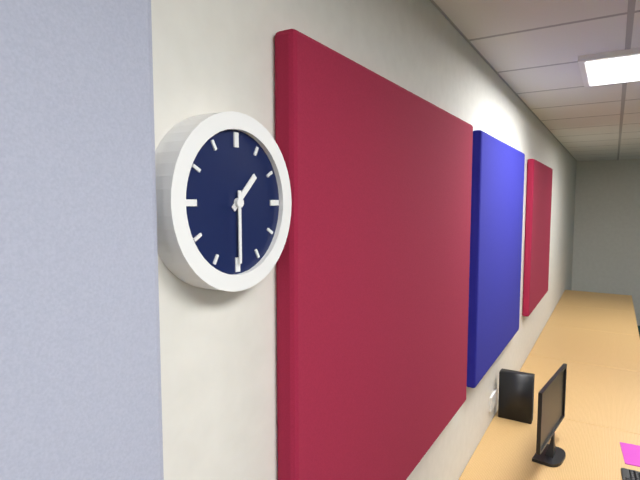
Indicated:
1 h 30 min
